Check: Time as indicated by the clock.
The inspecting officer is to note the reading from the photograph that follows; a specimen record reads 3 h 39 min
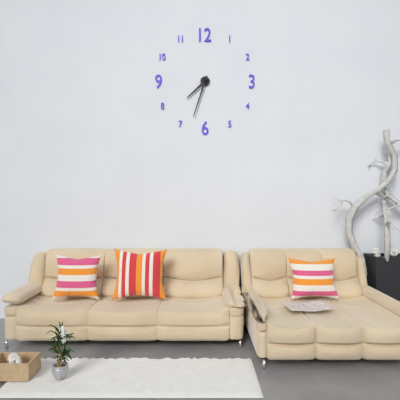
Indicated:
7 h 33 min
